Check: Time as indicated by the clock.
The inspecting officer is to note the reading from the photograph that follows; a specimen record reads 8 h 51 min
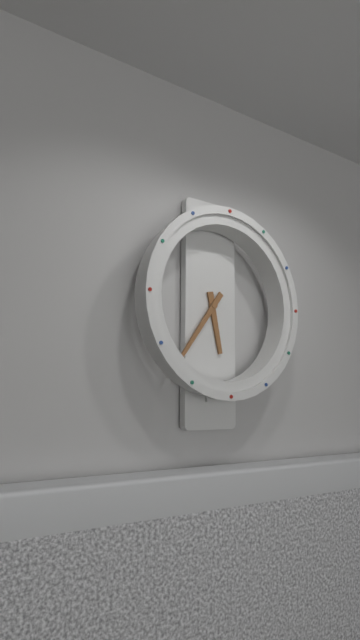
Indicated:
5 h 36 min
